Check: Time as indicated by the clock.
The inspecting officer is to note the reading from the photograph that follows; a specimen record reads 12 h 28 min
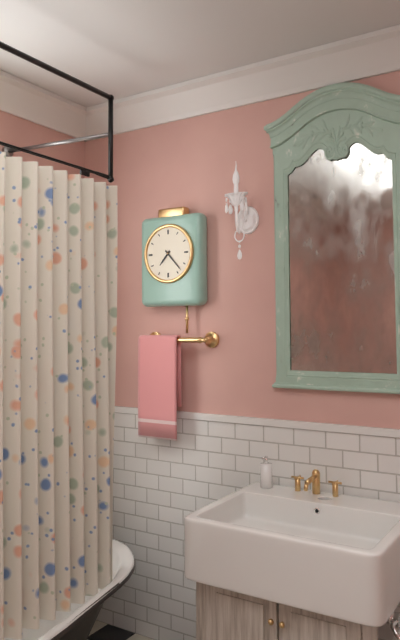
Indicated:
7 h 23 min
